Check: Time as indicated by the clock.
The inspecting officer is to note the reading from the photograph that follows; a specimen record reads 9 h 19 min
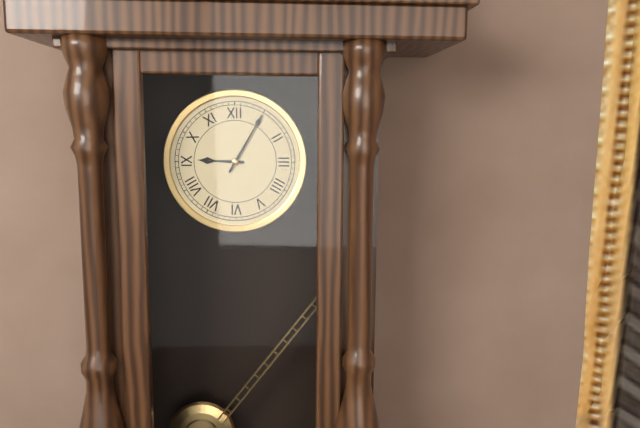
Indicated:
9 h 05 min
